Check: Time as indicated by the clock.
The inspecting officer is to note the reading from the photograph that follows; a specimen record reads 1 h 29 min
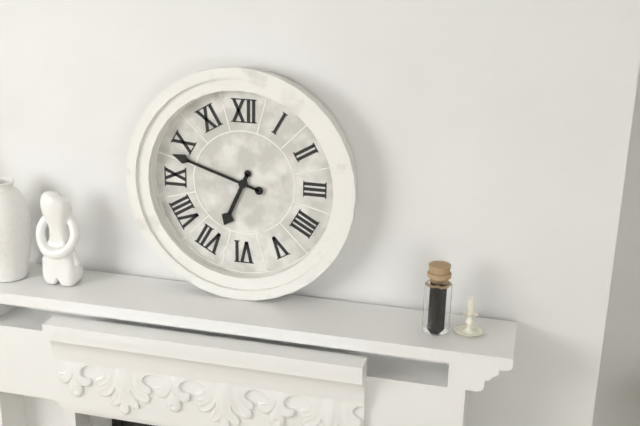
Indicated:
6 h 48 min
